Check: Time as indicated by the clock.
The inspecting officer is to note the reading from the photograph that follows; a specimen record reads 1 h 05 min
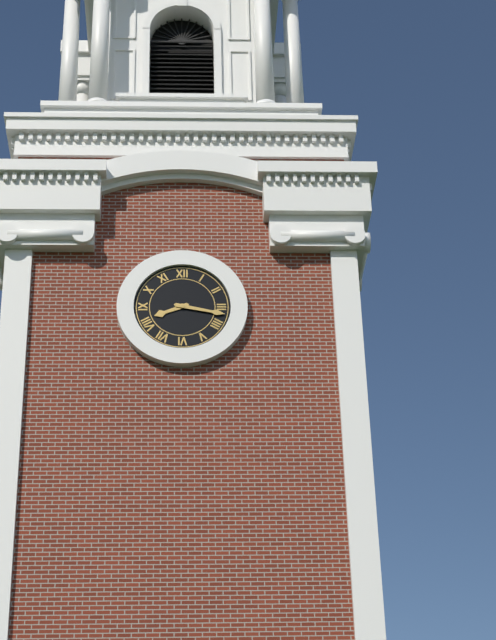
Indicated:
8 h 17 min
